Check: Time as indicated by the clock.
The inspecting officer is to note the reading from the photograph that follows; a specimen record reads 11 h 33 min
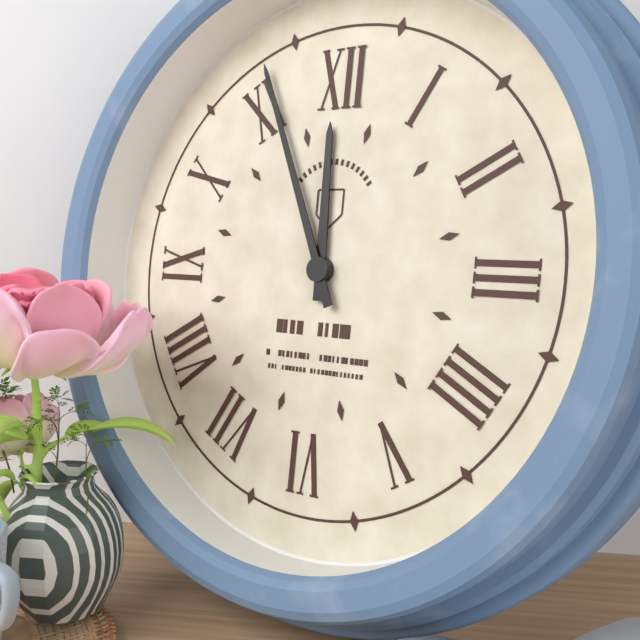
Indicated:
11 h 56 min
